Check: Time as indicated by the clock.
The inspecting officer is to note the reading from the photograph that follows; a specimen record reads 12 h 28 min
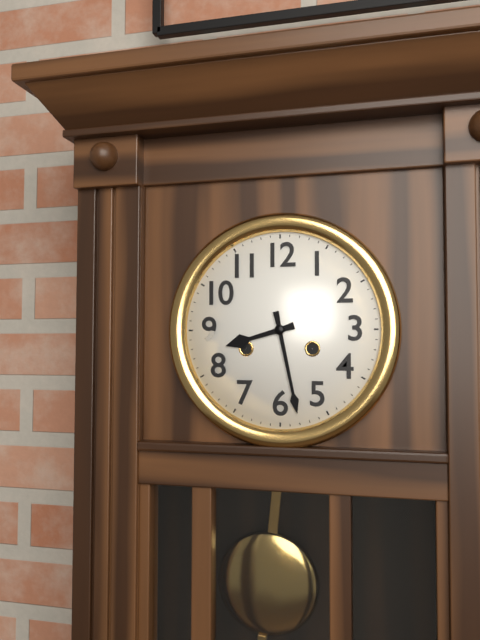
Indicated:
8 h 28 min
